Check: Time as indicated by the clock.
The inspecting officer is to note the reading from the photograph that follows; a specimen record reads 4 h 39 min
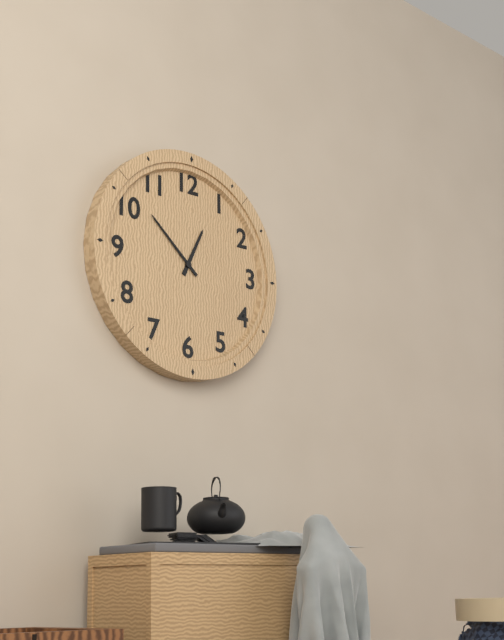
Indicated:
12 h 52 min
